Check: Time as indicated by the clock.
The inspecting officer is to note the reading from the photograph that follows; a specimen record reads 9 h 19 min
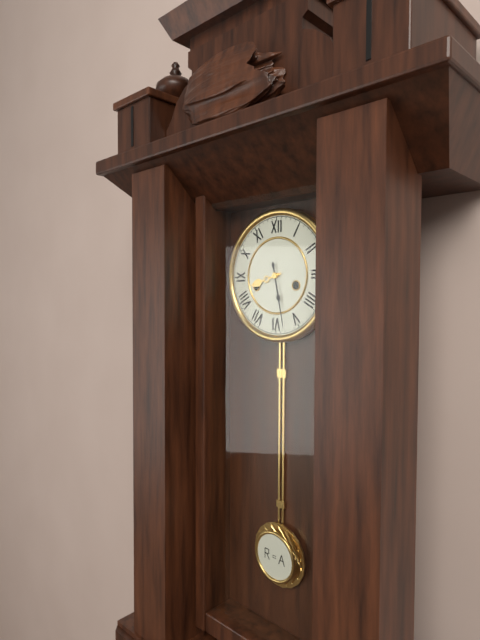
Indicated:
8 h 28 min
